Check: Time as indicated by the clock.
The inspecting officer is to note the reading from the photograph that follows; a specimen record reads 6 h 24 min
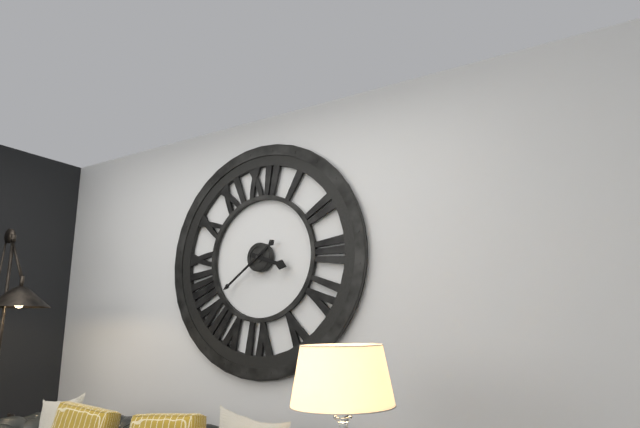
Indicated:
3 h 39 min
